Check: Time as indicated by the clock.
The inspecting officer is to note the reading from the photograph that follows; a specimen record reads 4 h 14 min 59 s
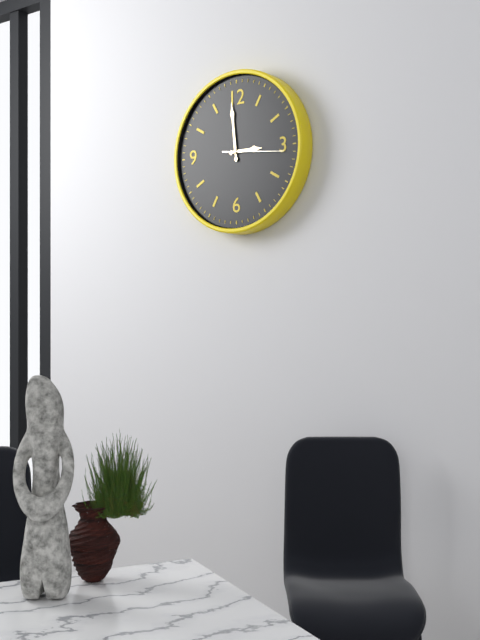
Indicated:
2 h 59 min 16 s
